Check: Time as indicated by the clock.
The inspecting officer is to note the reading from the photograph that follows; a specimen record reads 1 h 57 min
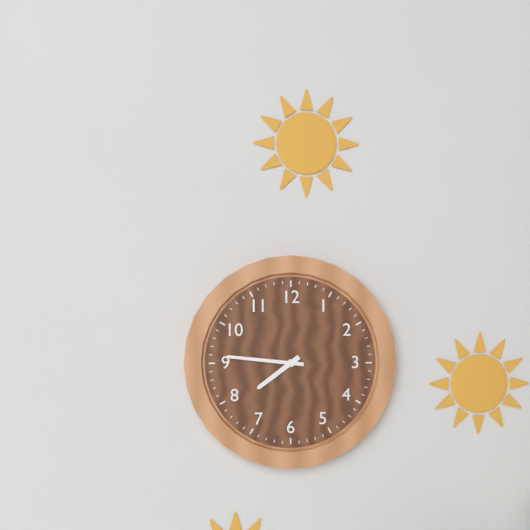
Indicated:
7 h 46 min
